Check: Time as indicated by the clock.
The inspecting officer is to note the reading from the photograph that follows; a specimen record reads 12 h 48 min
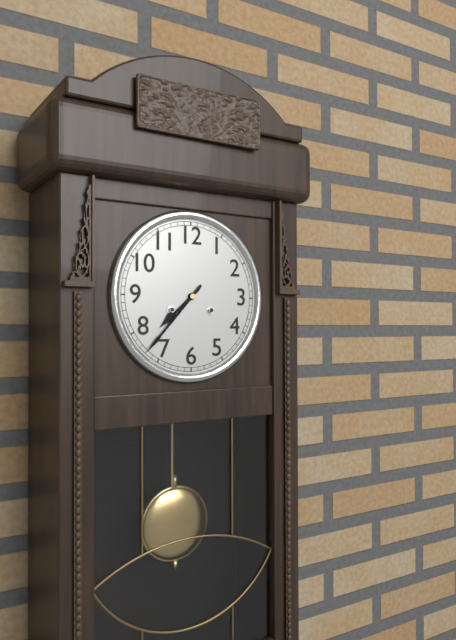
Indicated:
7 h 37 min
